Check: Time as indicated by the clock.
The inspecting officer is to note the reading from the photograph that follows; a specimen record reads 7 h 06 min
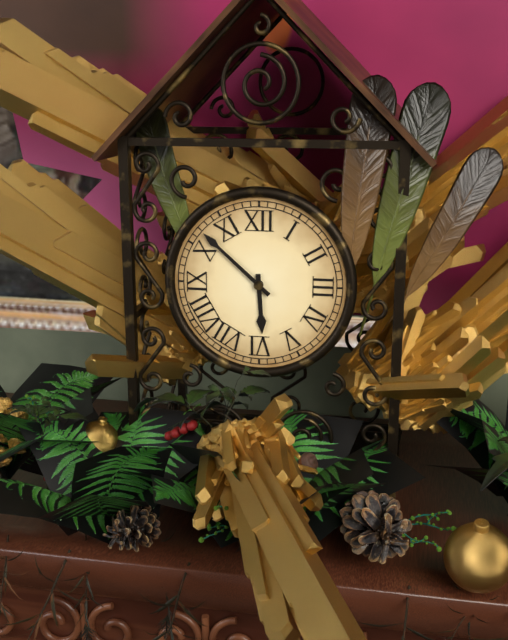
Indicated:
5 h 52 min
